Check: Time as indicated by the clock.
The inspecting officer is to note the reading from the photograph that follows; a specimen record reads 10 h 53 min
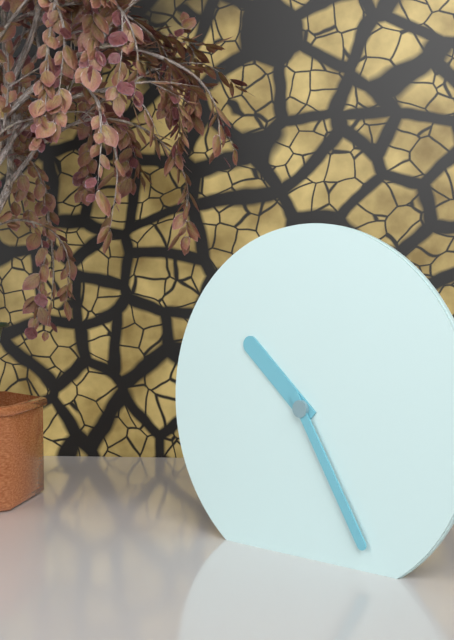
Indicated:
10 h 25 min
